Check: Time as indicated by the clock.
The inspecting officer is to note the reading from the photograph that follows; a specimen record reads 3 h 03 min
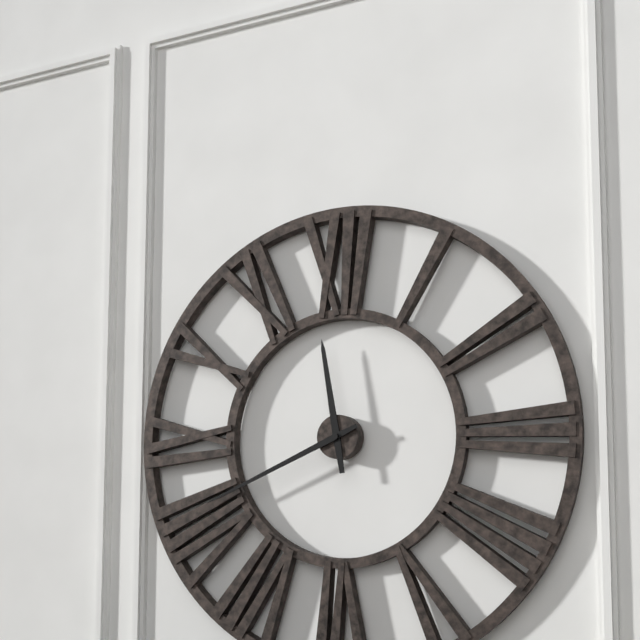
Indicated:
11 h 41 min
